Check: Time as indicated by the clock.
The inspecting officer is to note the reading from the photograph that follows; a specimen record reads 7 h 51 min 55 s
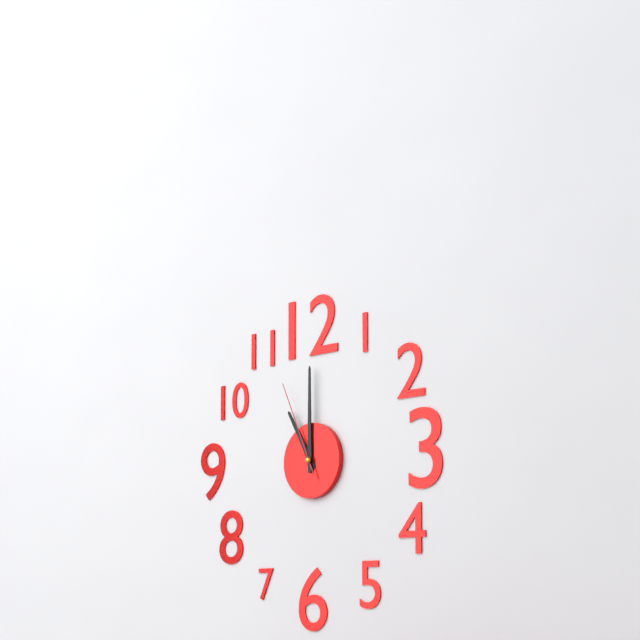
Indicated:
11 h 00 min 56 s
